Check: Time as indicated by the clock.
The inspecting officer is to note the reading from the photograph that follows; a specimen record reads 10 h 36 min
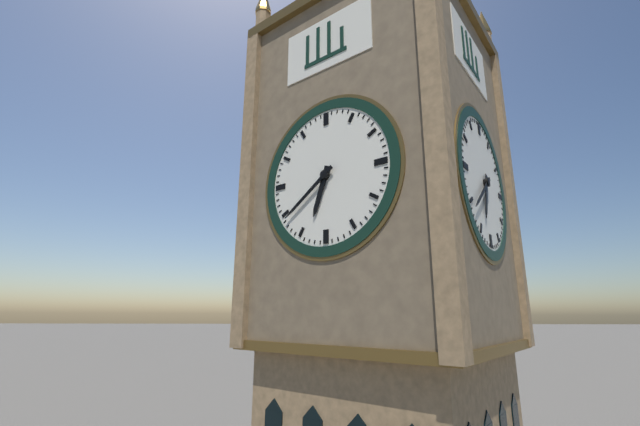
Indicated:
6 h 39 min
